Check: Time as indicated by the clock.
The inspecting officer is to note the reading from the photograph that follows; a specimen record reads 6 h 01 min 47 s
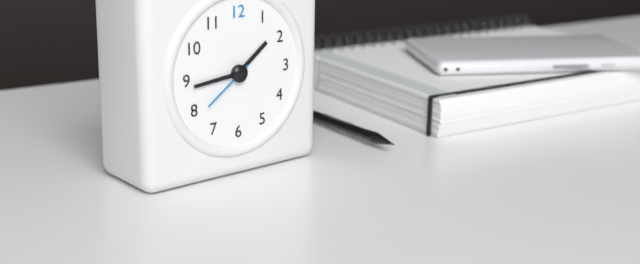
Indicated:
1 h 44 min 39 s
